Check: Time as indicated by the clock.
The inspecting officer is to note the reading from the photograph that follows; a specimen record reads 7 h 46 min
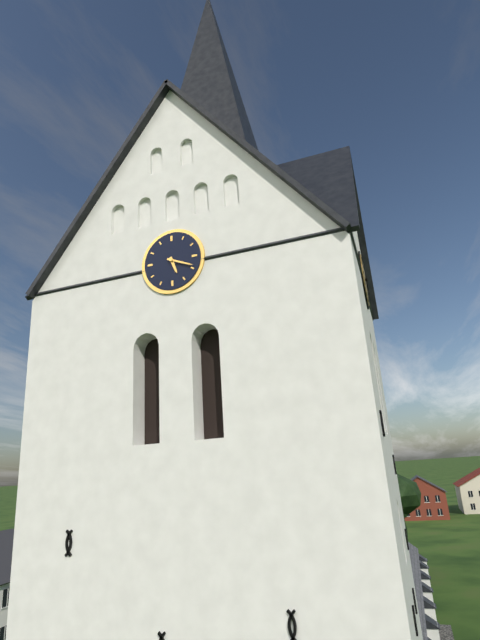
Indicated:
5 h 19 min
